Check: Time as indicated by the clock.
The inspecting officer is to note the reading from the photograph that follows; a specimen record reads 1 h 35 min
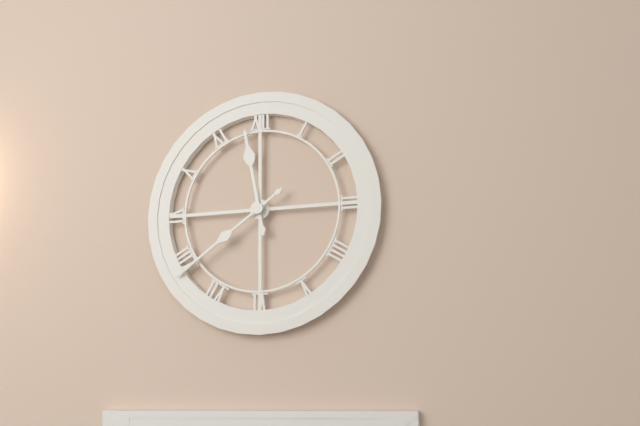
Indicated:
11 h 39 min
